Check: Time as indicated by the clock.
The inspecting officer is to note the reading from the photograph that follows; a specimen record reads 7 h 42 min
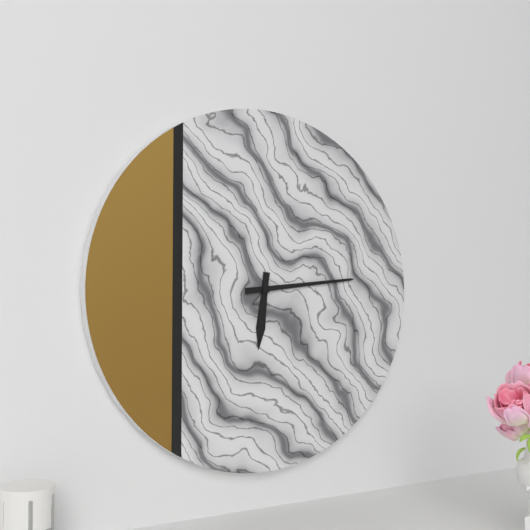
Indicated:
6 h 14 min
